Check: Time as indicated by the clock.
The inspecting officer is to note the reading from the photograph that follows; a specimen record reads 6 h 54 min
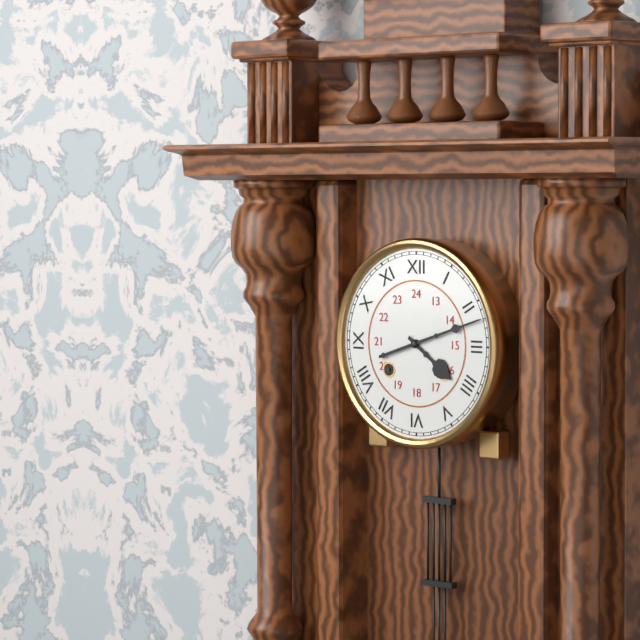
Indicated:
4 h 12 min
